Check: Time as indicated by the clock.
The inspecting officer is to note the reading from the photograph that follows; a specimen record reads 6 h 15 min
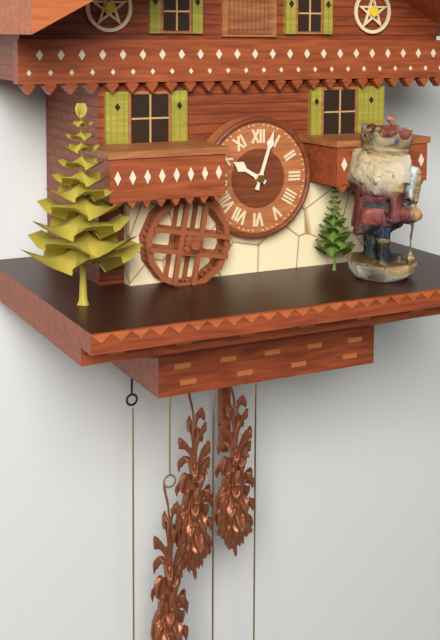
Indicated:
10 h 03 min
